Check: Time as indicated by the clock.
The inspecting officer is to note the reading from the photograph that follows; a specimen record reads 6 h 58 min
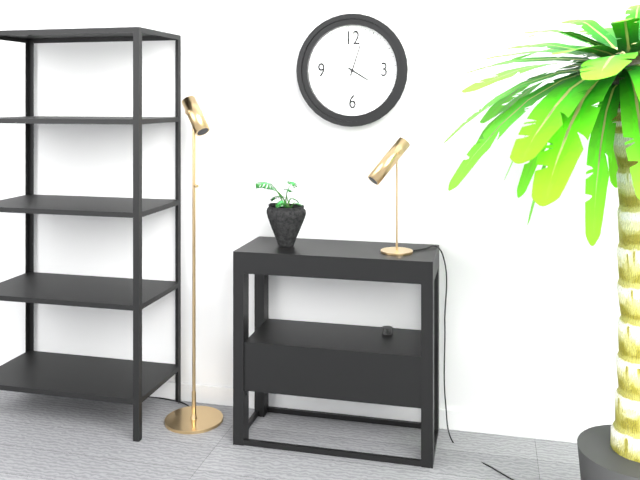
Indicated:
4 h 03 min
